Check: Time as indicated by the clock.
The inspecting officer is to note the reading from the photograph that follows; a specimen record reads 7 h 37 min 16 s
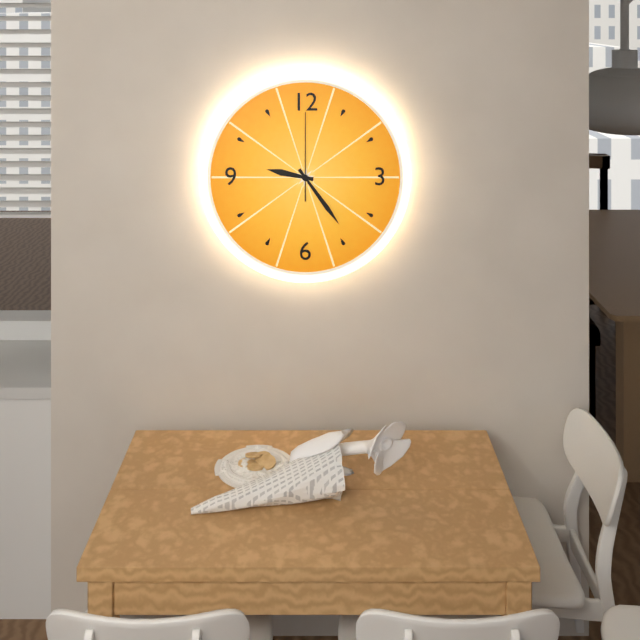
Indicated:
9 h 24 min 00 s
